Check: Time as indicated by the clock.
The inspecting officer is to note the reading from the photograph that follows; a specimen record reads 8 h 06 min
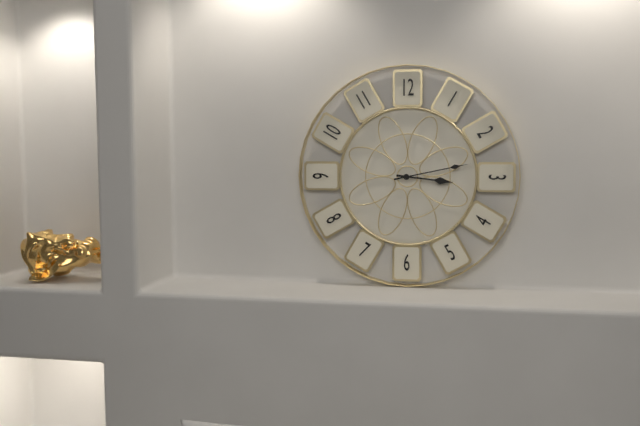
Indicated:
3 h 13 min
